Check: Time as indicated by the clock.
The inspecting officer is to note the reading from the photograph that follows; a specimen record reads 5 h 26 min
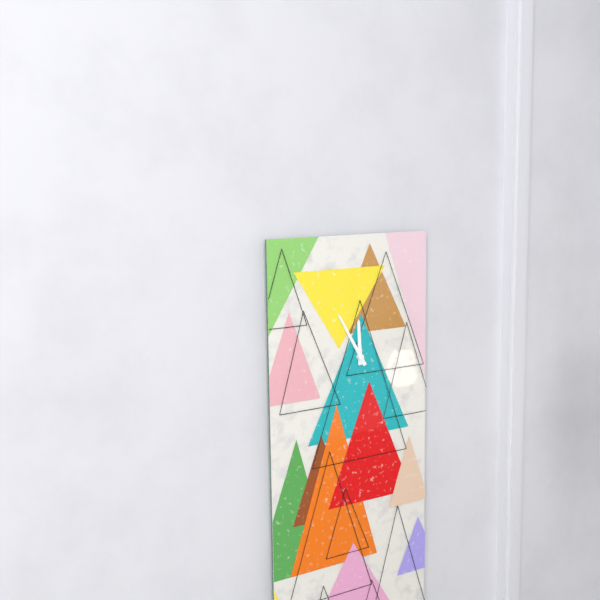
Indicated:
11 h 55 min
